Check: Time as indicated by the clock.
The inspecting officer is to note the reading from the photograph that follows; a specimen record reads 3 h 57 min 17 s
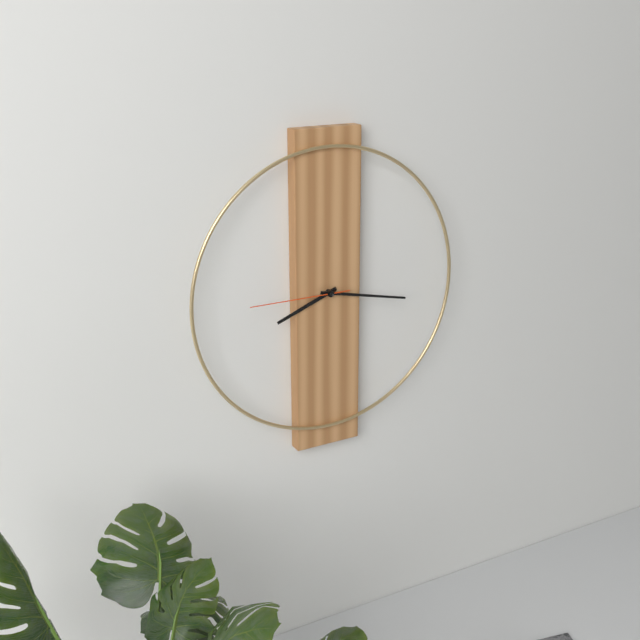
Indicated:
8 h 17 min 45 s
